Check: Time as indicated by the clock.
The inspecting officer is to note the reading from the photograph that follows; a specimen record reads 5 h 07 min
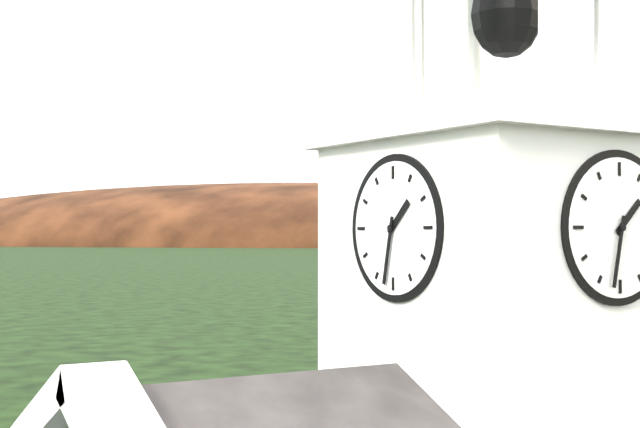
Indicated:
1 h 32 min
